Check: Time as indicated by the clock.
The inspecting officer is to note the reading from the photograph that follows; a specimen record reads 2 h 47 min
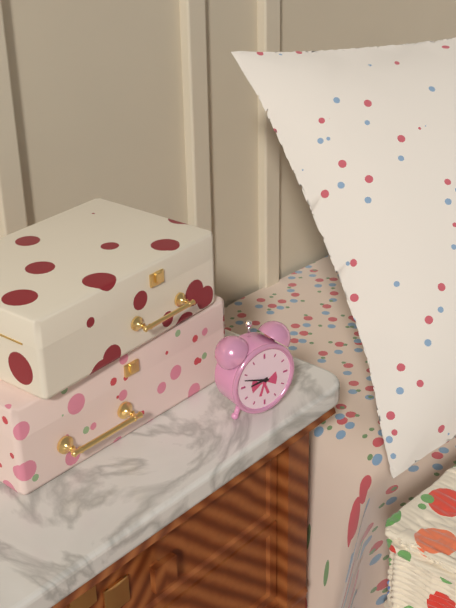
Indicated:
8 h 48 min
